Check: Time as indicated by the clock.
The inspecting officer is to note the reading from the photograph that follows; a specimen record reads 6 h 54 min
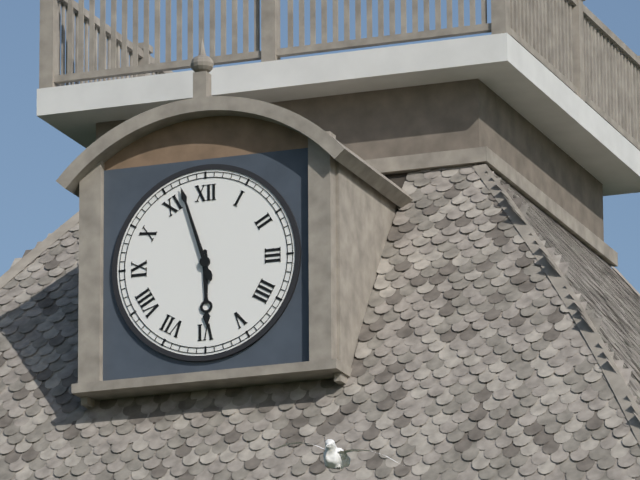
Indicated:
5 h 57 min
